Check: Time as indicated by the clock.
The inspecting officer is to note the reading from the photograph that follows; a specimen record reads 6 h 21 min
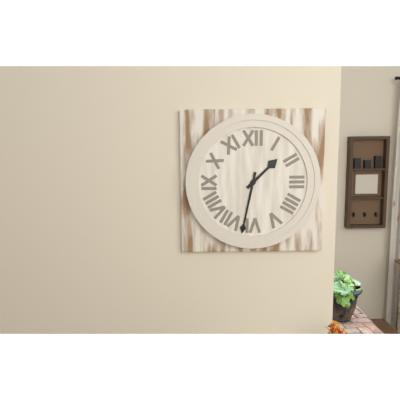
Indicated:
1 h 32 min
